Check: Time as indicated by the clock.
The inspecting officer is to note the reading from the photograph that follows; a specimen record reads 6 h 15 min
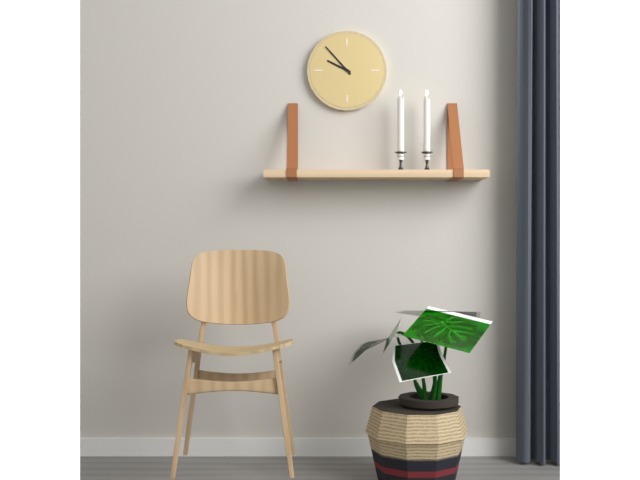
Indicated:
9 h 53 min
